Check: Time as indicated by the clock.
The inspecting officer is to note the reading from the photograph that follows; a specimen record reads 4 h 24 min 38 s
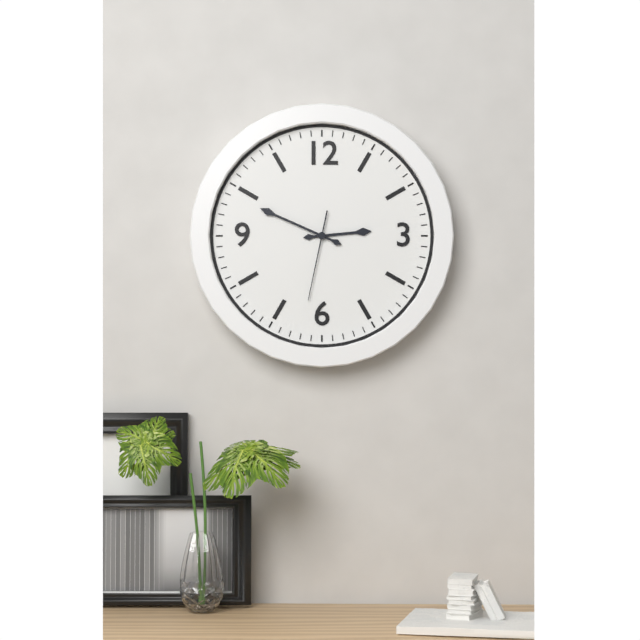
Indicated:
2 h 49 min 32 s
